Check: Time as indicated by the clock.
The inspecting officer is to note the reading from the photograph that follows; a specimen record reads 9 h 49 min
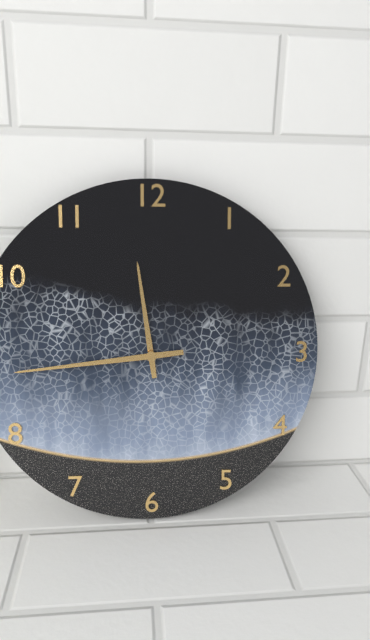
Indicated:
11 h 44 min
